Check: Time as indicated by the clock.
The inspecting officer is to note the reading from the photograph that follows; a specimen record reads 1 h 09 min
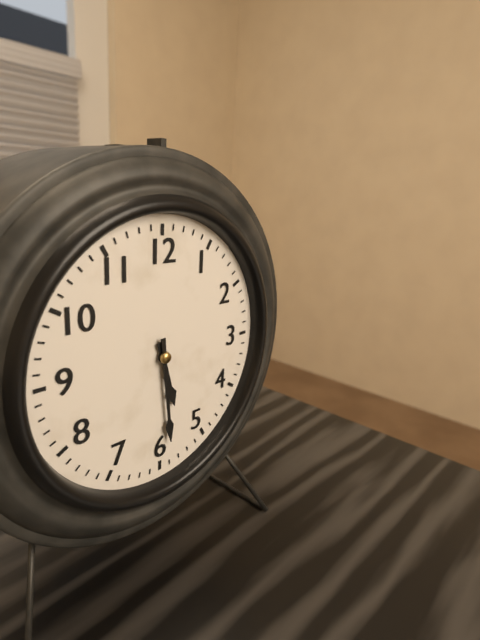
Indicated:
5 h 29 min
